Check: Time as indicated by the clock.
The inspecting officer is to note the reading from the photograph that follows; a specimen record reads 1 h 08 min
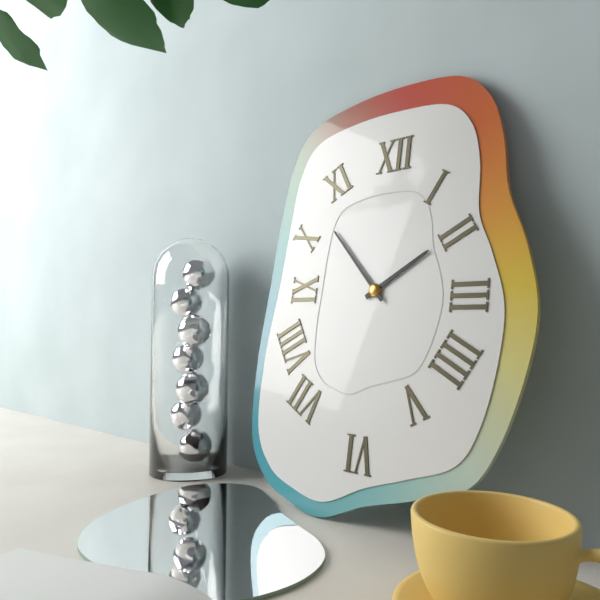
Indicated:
1 h 53 min
